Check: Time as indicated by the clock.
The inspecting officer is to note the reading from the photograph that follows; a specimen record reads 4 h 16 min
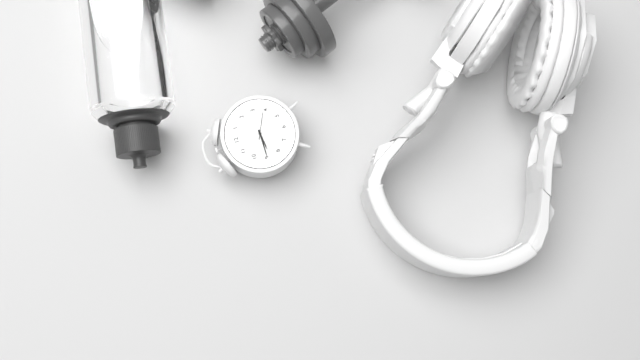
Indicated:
8 h 45 min
